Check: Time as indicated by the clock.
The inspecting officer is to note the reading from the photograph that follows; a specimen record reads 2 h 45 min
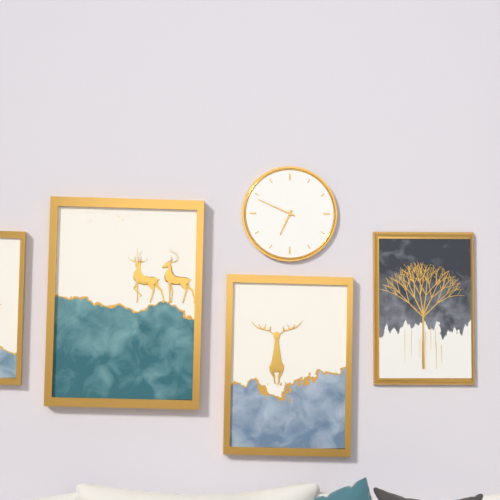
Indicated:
6 h 49 min
